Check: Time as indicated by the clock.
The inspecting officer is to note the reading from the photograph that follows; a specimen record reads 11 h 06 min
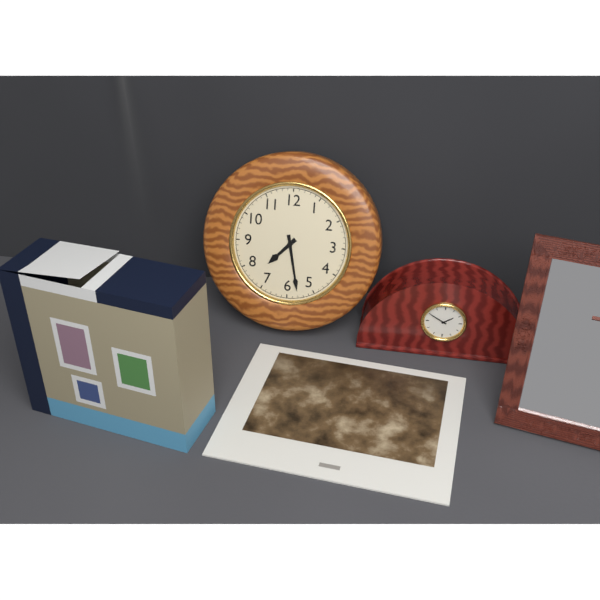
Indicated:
7 h 28 min
